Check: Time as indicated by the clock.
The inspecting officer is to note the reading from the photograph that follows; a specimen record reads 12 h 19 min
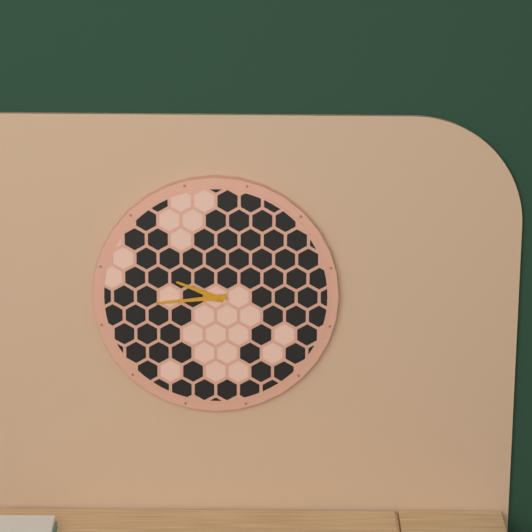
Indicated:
9 h 44 min
